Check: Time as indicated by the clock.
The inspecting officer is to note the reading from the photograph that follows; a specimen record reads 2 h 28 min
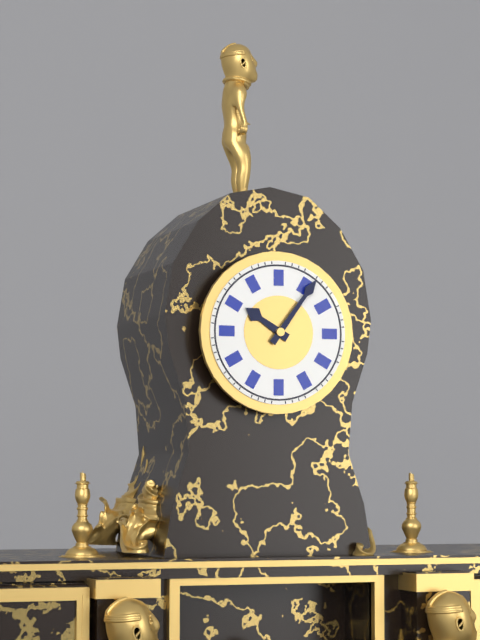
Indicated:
10 h 06 min
